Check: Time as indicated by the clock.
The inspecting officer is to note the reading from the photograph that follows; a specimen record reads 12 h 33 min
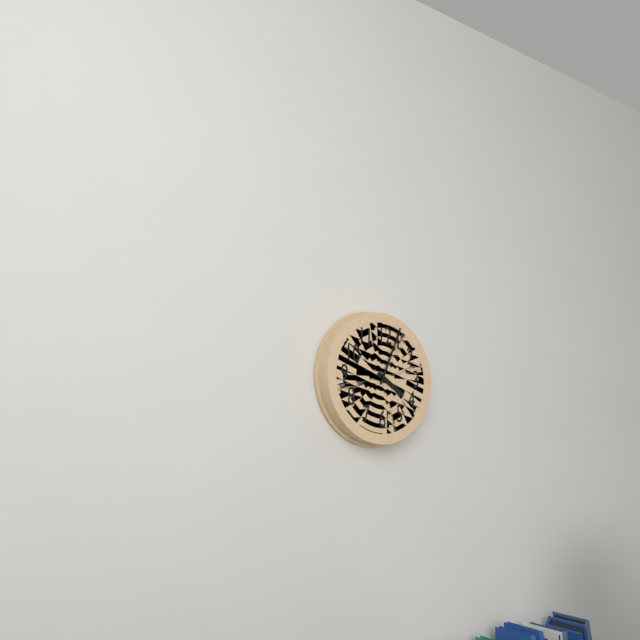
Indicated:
4 h 04 min
